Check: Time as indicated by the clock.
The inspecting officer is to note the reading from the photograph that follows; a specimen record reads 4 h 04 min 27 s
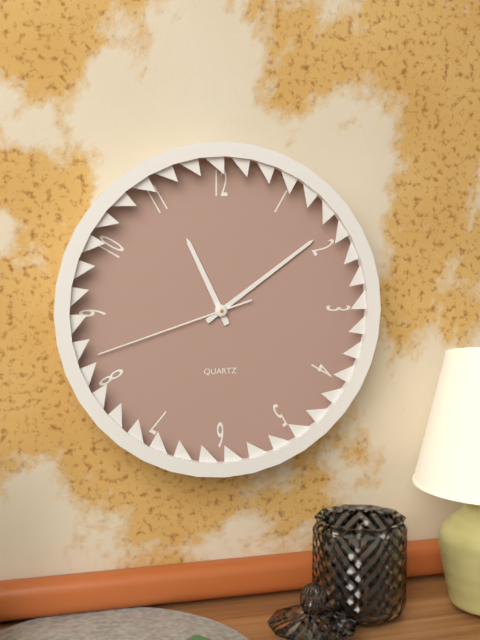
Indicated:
11 h 09 min 42 s
